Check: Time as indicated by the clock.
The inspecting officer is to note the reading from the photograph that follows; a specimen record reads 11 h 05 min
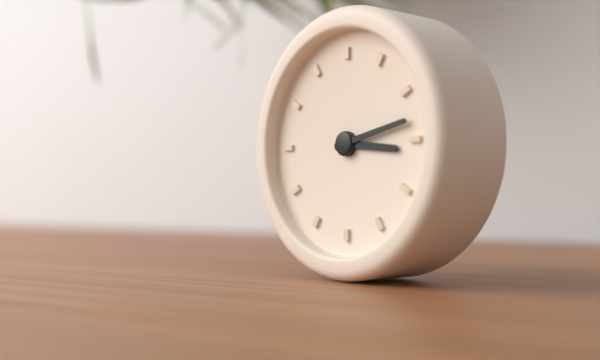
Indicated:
3 h 13 min
